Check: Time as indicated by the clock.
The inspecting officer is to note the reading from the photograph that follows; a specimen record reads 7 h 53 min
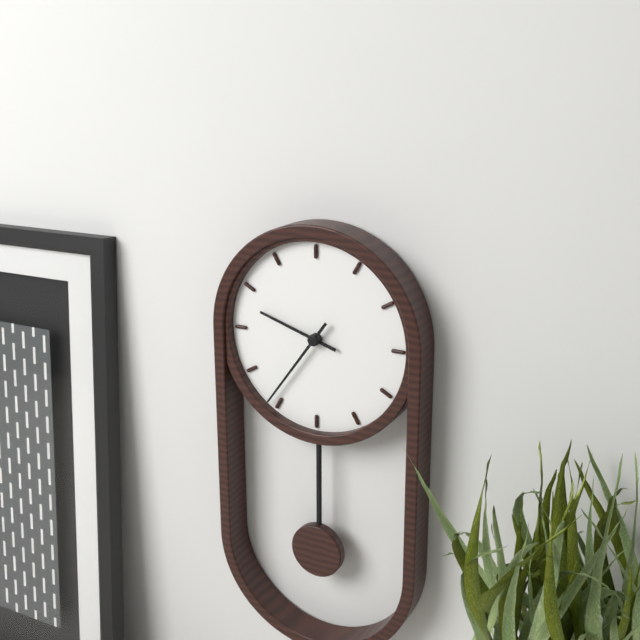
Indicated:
9 h 36 min
